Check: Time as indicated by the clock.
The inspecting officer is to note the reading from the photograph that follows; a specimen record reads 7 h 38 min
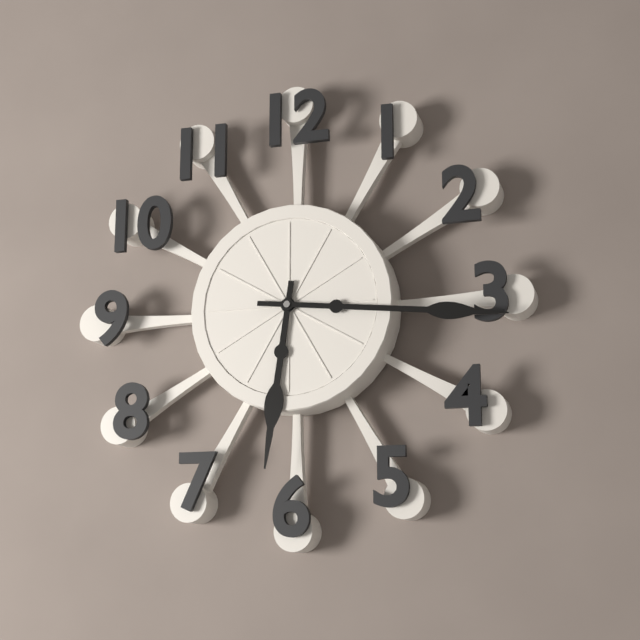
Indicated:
6 h 16 min
